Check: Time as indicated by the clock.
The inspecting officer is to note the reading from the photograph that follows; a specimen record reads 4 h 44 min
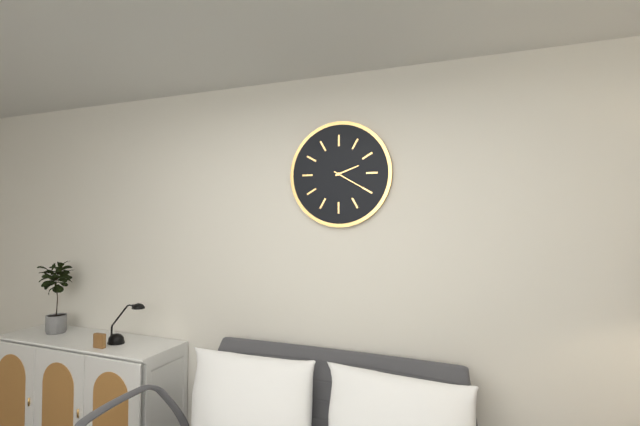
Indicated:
2 h 20 min
